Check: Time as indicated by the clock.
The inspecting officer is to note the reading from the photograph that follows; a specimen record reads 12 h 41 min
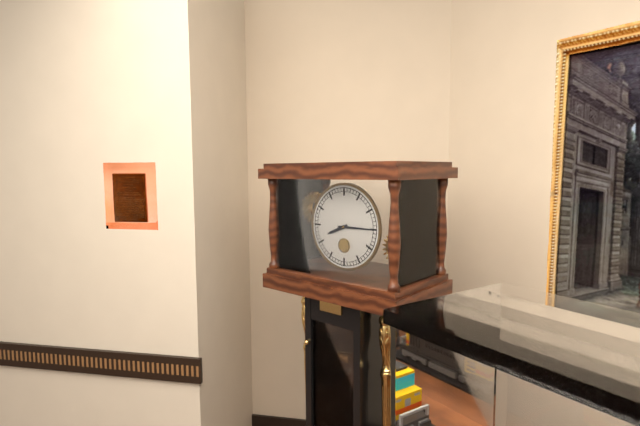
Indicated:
8 h 15 min
